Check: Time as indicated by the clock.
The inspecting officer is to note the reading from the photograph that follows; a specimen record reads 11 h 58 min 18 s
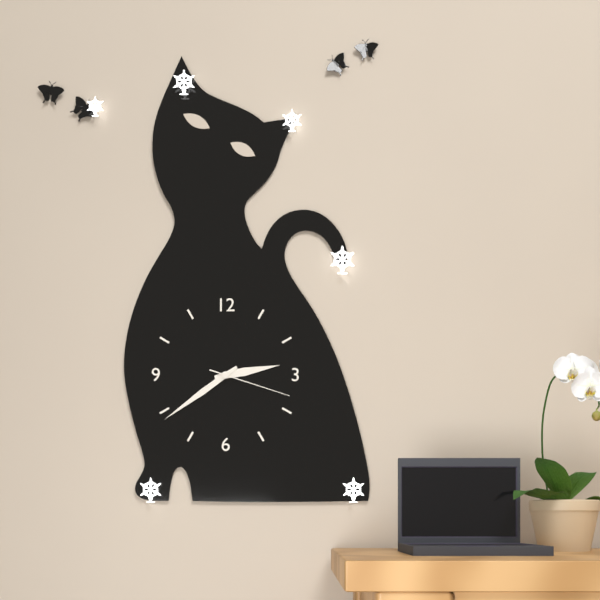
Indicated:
2 h 39 min 18 s
